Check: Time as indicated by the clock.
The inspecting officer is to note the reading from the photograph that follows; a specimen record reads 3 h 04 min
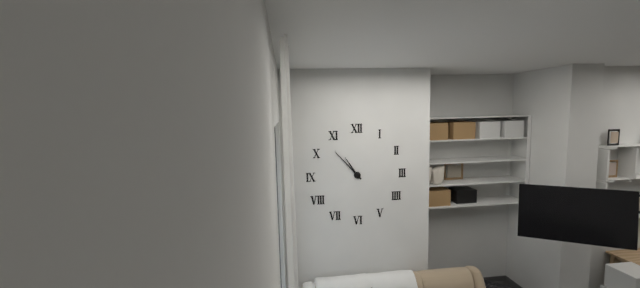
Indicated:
10 h 53 min
